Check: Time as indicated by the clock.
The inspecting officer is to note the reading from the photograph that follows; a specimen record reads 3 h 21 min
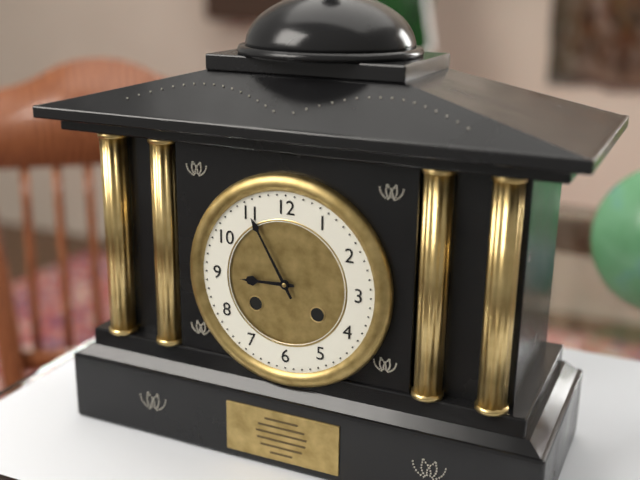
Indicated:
8 h 55 min
